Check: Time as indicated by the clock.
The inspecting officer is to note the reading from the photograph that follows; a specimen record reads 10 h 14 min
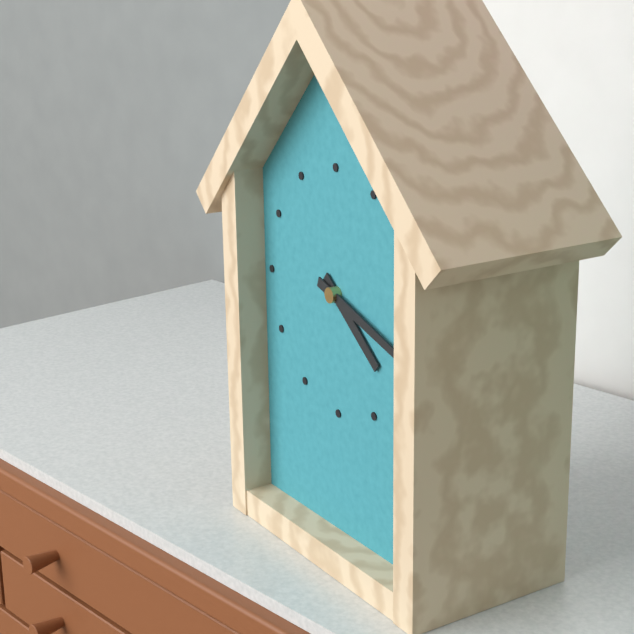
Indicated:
4 h 18 min
